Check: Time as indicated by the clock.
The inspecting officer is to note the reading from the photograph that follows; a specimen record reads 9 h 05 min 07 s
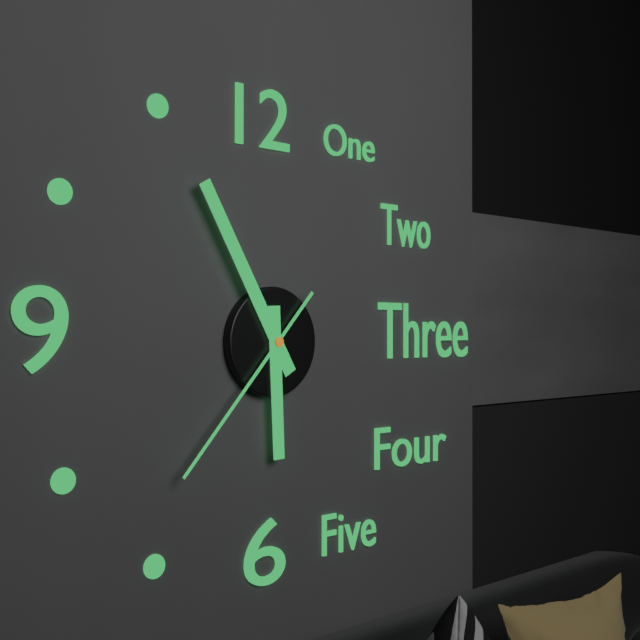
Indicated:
5 h 55 min 37 s
